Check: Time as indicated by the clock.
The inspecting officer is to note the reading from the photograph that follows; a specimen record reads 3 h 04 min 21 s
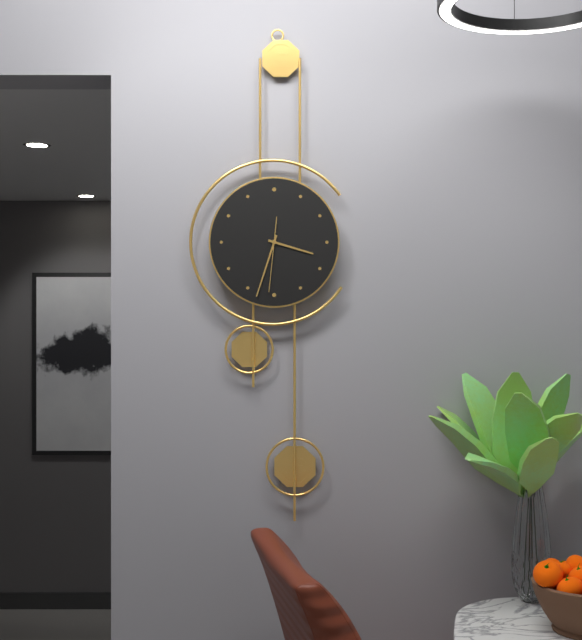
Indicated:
3 h 33 min 31 s
